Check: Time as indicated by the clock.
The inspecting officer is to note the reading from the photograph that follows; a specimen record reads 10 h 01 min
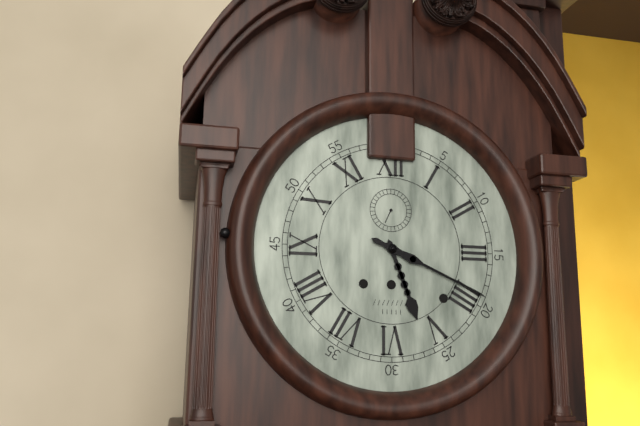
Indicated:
5 h 19 min
